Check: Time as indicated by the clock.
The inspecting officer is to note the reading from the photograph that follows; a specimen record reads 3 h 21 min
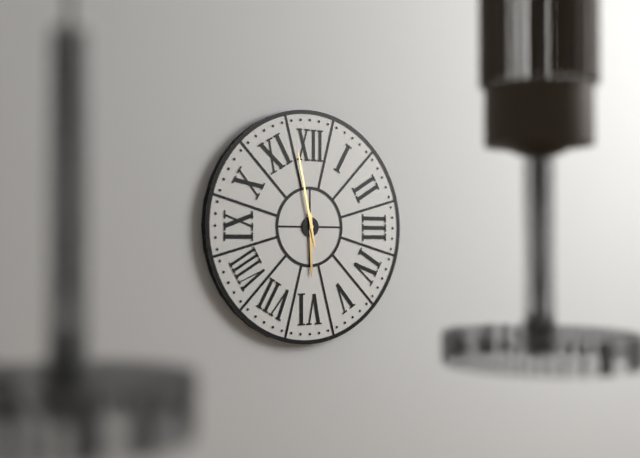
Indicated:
5 h 58 min
